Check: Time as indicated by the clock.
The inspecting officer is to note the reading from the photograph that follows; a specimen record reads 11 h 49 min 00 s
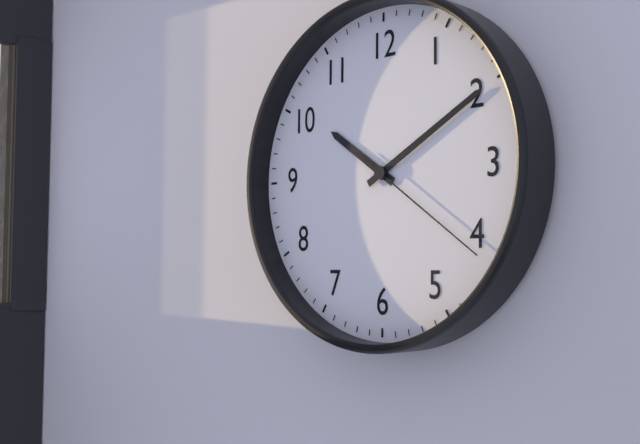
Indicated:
10 h 10 min 21 s
